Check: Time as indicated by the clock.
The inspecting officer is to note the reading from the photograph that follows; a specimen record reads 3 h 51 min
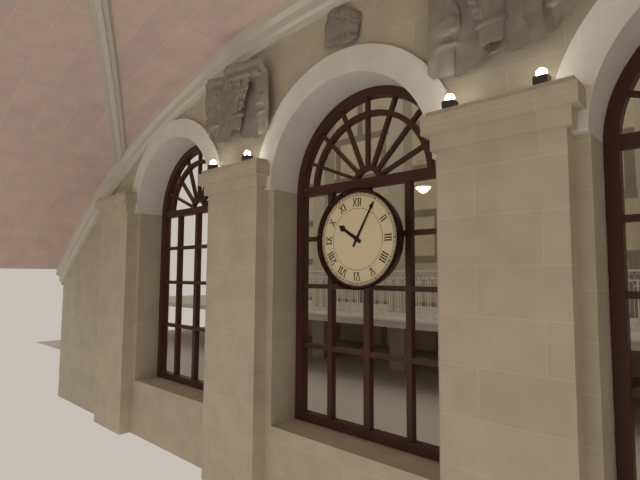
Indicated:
10 h 05 min
